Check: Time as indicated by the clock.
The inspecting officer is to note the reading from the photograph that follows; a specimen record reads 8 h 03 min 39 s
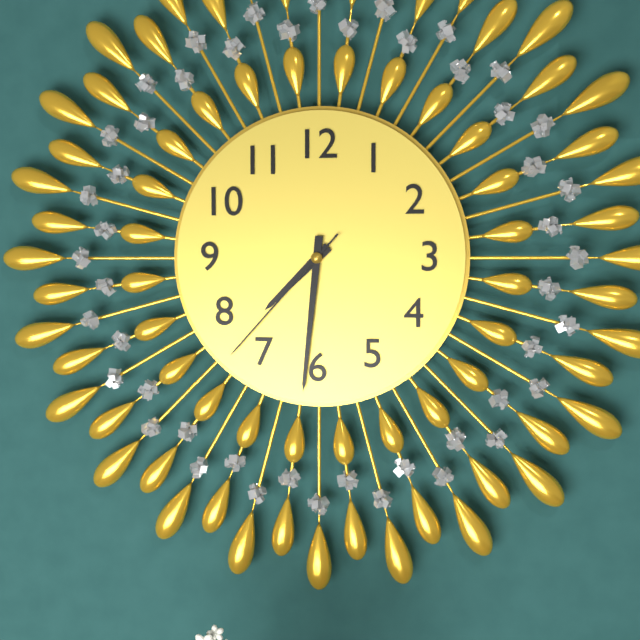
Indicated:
7 h 31 min 37 s
